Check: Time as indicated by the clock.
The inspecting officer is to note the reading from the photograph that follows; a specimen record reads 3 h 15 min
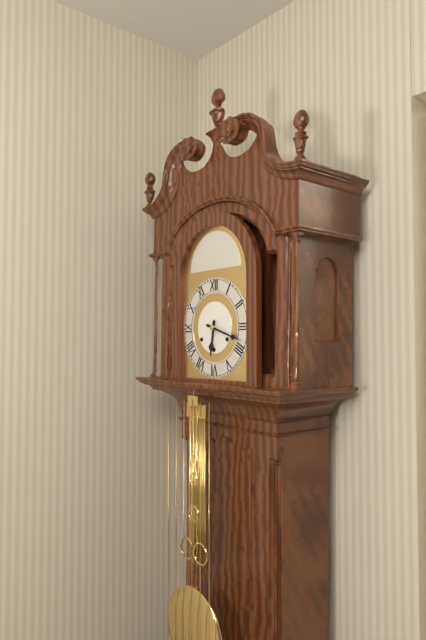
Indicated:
6 h 18 min
